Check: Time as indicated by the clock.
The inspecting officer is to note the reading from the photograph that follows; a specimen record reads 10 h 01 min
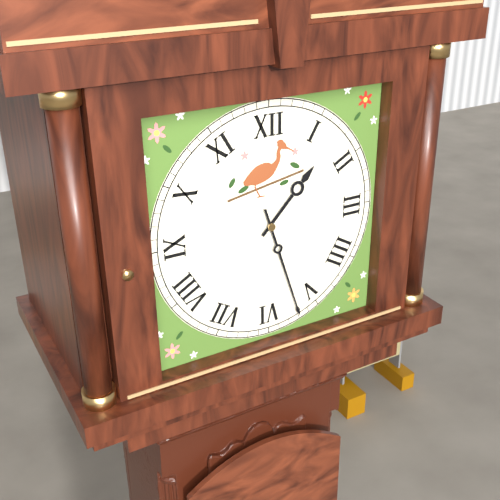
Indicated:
1 h 27 min
